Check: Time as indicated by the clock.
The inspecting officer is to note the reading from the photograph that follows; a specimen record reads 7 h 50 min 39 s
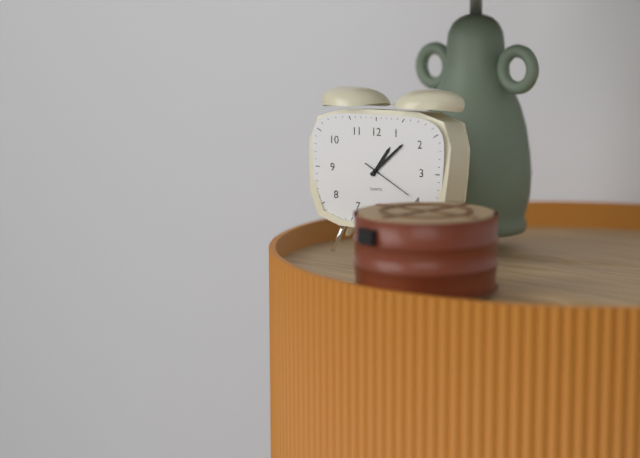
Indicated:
1 h 08 min 20 s
